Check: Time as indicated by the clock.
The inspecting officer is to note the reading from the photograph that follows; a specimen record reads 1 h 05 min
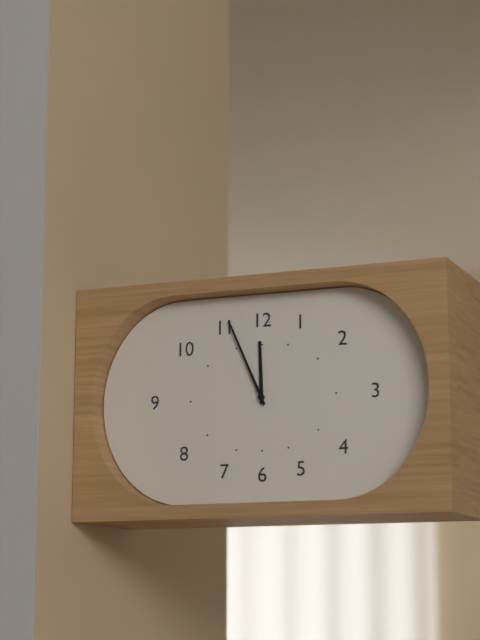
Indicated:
11 h 56 min
